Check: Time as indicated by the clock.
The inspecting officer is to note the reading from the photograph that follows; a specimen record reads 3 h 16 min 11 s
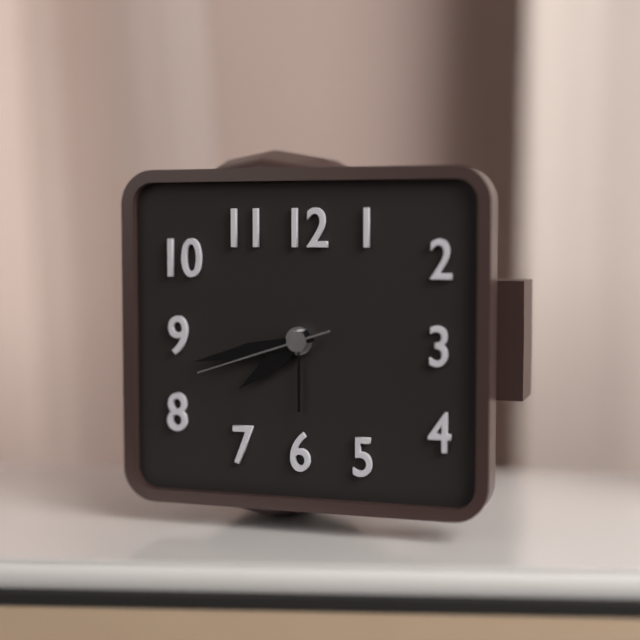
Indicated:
7 h 43 min 42 s
